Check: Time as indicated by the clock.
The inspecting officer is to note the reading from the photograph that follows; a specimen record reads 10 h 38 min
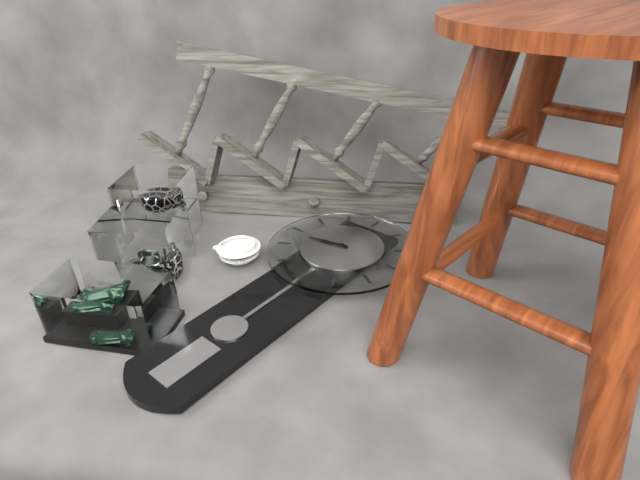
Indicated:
8 h 43 min
